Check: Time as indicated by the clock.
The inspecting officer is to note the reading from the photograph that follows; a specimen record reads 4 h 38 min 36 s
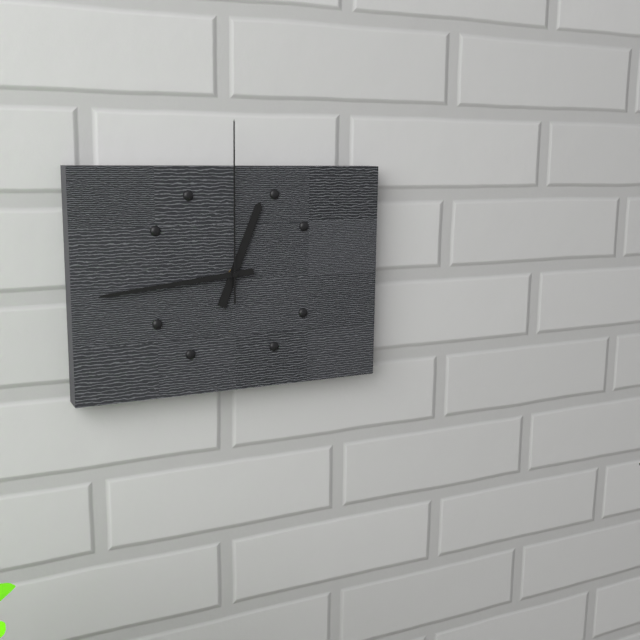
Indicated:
12 h 44 min 00 s
